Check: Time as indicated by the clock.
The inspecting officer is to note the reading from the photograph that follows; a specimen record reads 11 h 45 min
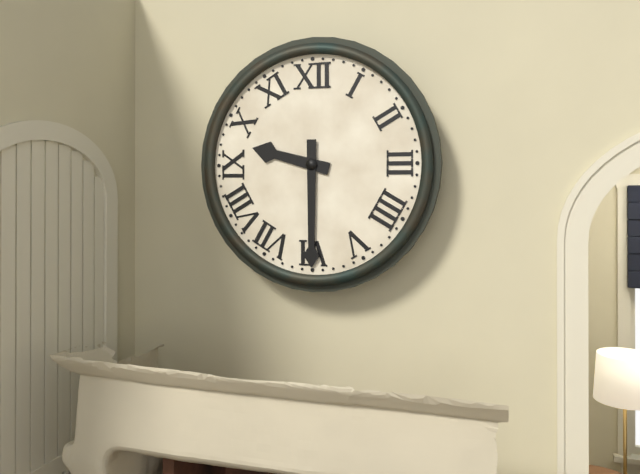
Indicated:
9 h 30 min
